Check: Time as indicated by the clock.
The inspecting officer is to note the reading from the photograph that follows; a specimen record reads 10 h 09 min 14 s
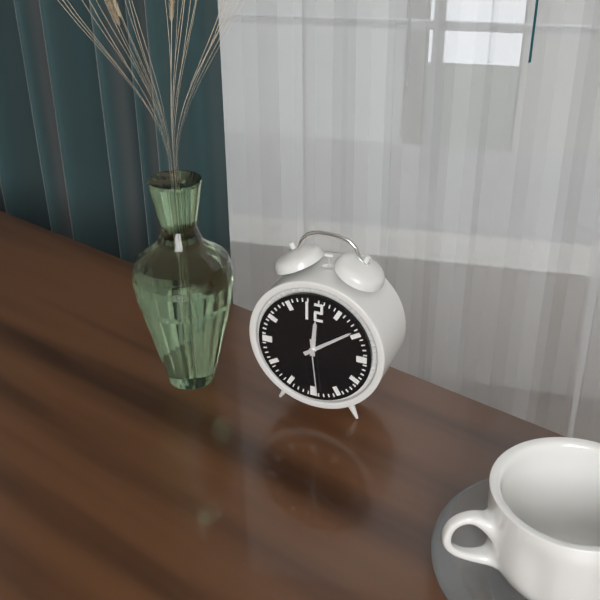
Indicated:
12 h 09 min 29 s
